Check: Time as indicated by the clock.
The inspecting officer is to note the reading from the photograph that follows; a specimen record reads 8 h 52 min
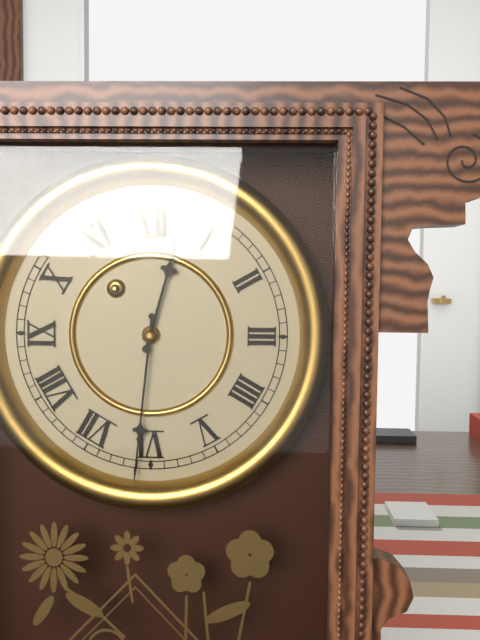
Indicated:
12 h 31 min
